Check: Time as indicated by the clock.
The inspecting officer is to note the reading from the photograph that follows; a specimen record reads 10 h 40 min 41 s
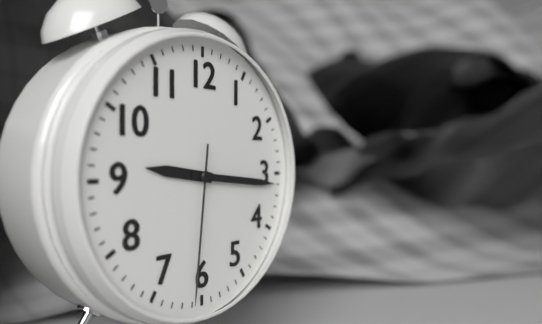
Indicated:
9 h 16 min 31 s
